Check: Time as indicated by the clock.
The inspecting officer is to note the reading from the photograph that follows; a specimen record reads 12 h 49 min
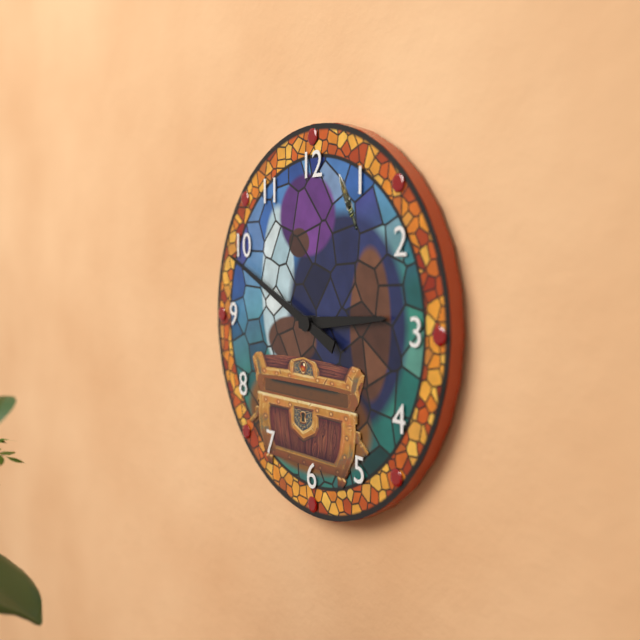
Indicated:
2 h 49 min
